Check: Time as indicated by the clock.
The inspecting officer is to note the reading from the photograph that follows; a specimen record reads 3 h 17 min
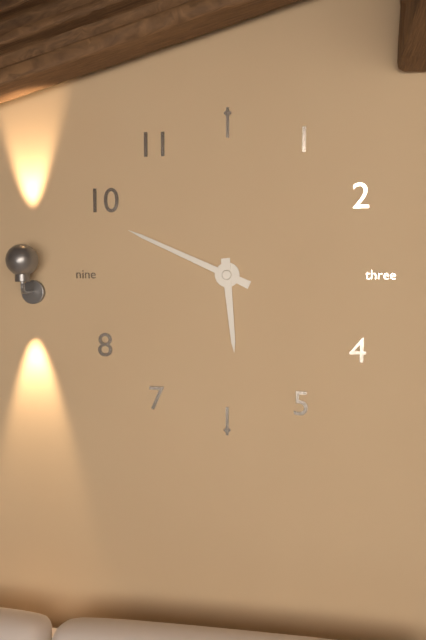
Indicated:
5 h 49 min
